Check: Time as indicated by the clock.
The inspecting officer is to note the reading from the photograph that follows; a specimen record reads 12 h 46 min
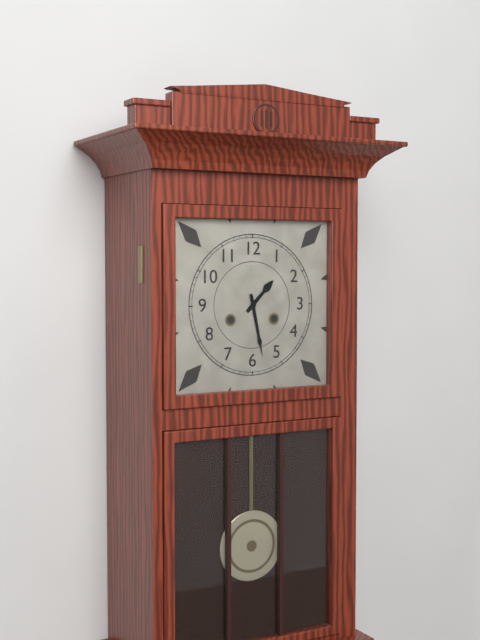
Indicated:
1 h 28 min
